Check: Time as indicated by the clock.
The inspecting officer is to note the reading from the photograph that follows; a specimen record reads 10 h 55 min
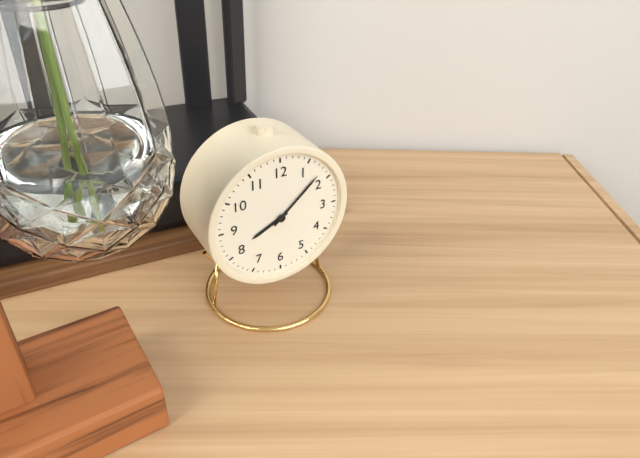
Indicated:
8 h 08 min
